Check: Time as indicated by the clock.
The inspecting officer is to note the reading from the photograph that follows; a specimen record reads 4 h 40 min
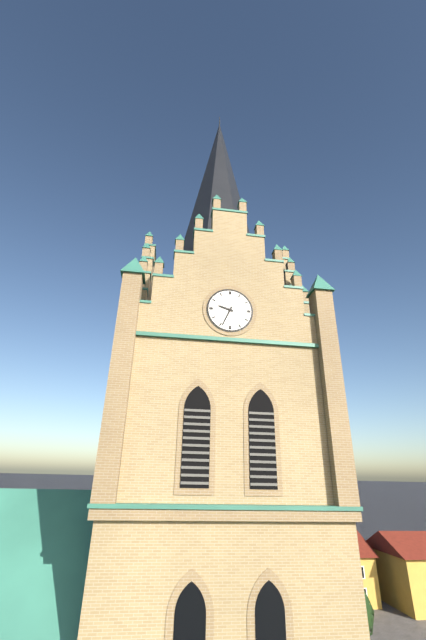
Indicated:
9 h 34 min
